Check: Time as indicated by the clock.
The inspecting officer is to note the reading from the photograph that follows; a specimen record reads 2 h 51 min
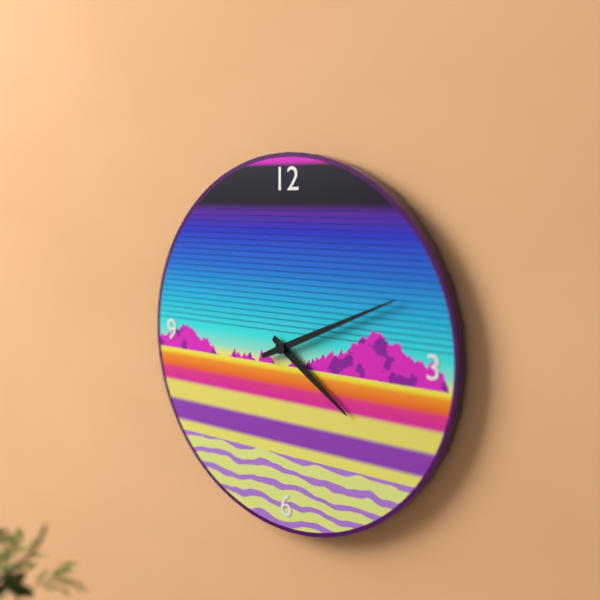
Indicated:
4 h 11 min
